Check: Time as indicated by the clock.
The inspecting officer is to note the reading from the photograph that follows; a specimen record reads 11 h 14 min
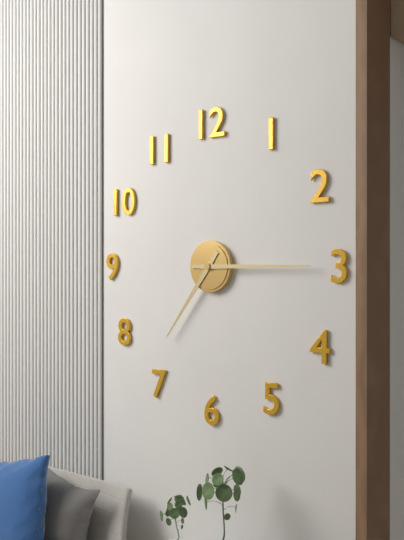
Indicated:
7 h 15 min
